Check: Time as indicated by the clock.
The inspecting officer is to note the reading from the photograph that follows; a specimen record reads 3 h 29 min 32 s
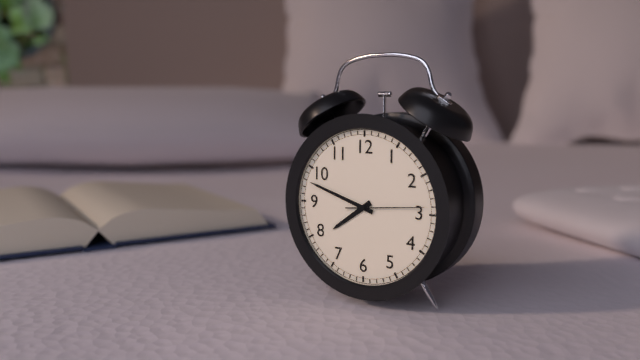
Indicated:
7 h 48 min 14 s
